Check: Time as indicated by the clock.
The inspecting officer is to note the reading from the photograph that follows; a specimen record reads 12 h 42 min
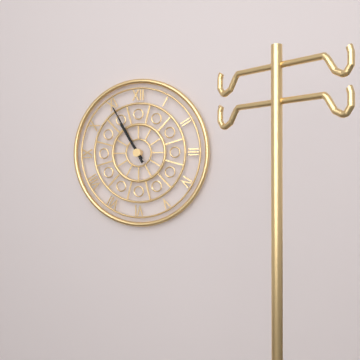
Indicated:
10 h 55 min
